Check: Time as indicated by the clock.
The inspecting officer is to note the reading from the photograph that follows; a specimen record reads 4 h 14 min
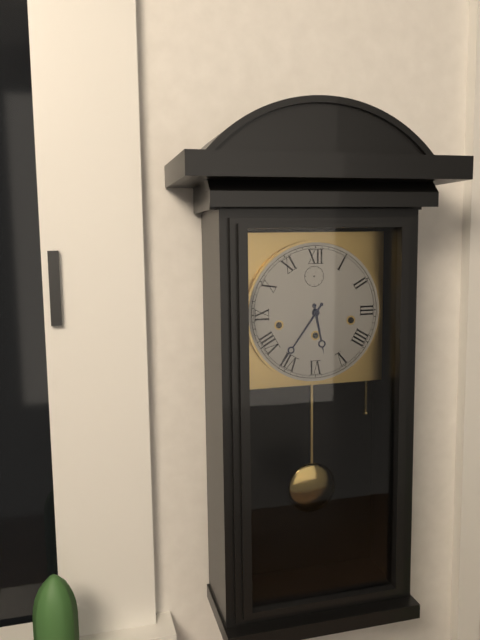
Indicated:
5 h 36 min
